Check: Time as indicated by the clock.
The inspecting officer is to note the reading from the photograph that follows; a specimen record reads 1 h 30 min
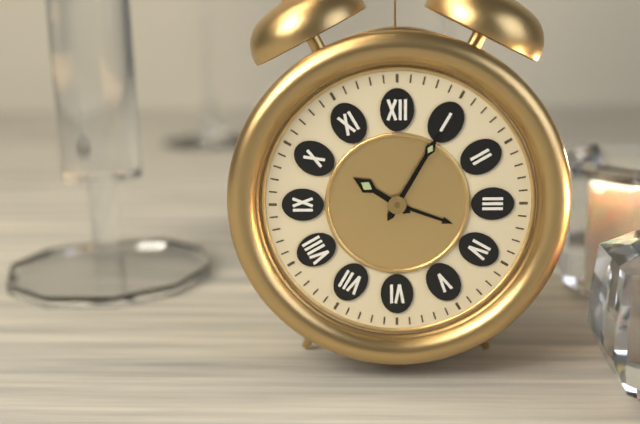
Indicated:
10 h 05 min
